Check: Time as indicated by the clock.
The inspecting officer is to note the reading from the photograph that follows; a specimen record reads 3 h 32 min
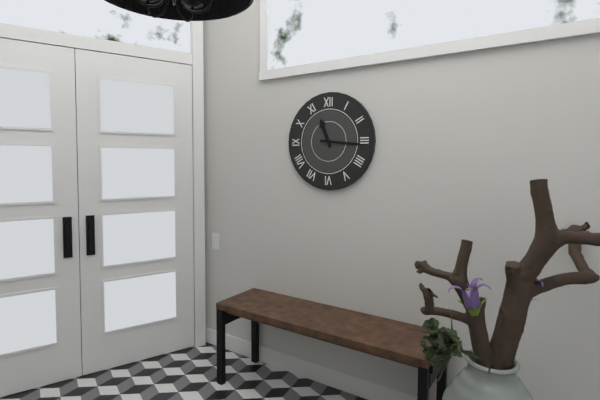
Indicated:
11 h 16 min
